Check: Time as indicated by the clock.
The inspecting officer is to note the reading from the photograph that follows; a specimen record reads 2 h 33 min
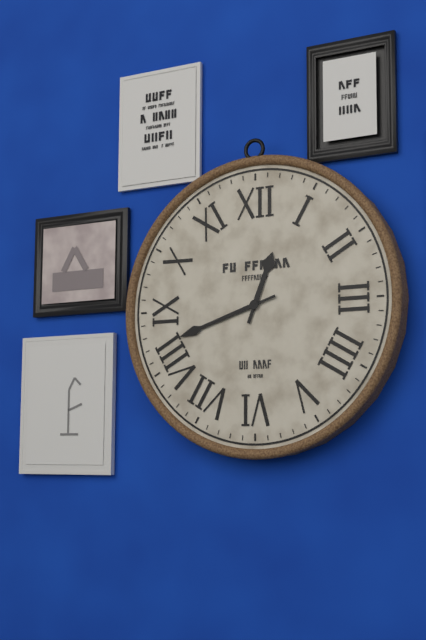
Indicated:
12 h 42 min
